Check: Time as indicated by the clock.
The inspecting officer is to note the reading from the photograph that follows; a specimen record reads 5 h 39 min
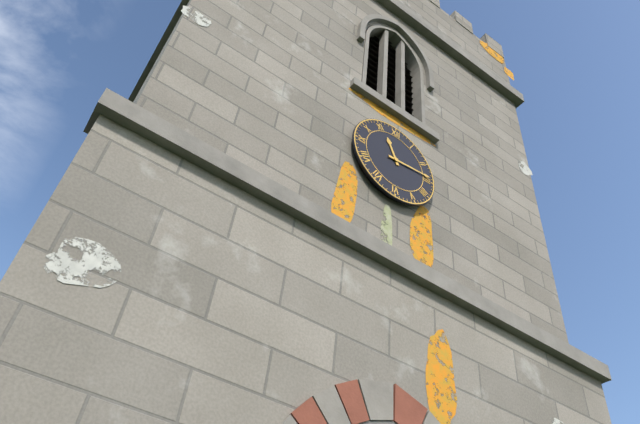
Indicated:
11 h 14 min
